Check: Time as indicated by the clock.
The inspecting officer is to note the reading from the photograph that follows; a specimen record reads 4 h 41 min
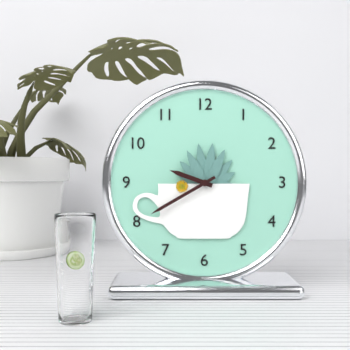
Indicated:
9 h 40 min
